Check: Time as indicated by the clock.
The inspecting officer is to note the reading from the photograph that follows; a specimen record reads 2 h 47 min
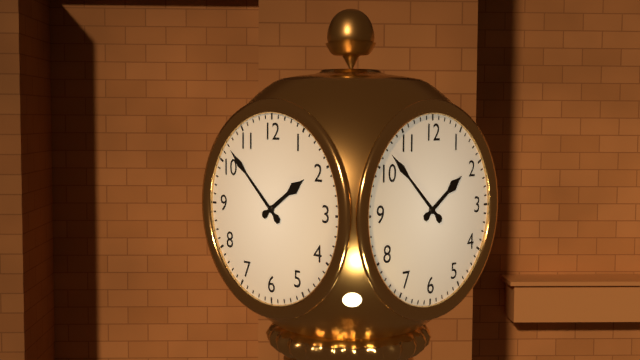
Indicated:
1 h 52 min
